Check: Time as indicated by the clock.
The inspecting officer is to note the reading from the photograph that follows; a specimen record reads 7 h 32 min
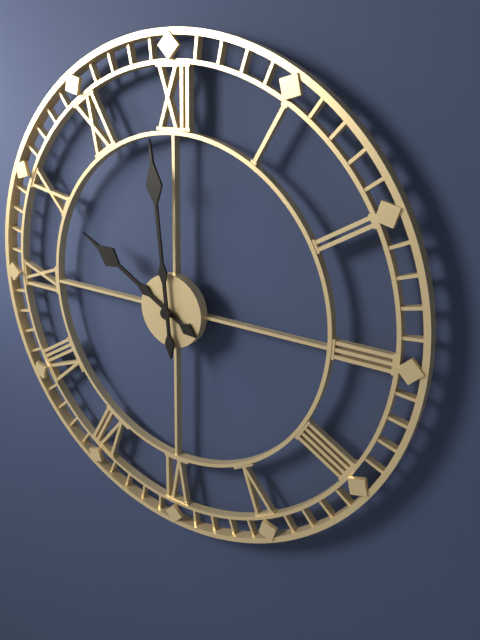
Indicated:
9 h 59 min
